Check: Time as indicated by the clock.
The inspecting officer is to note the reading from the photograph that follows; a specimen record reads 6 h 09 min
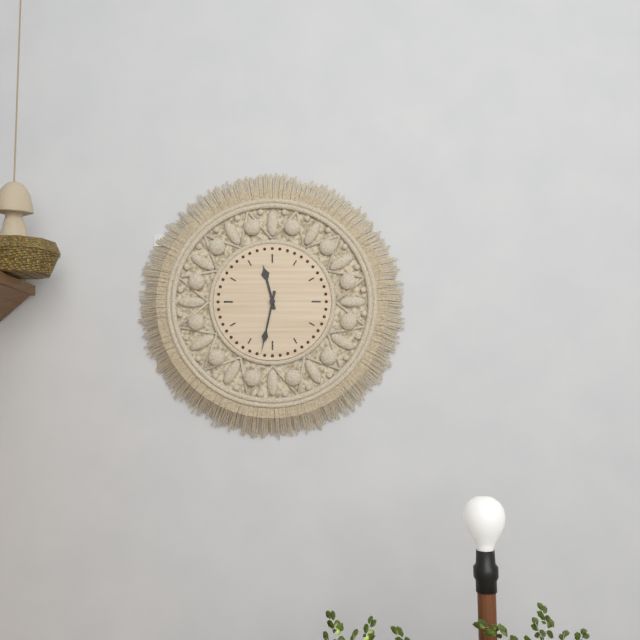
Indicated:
11 h 32 min
